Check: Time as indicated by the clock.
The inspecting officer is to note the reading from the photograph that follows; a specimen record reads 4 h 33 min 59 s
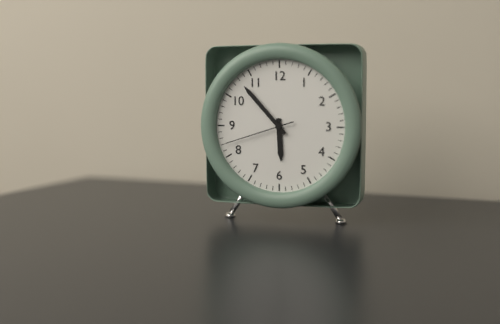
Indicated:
5 h 53 min 42 s
